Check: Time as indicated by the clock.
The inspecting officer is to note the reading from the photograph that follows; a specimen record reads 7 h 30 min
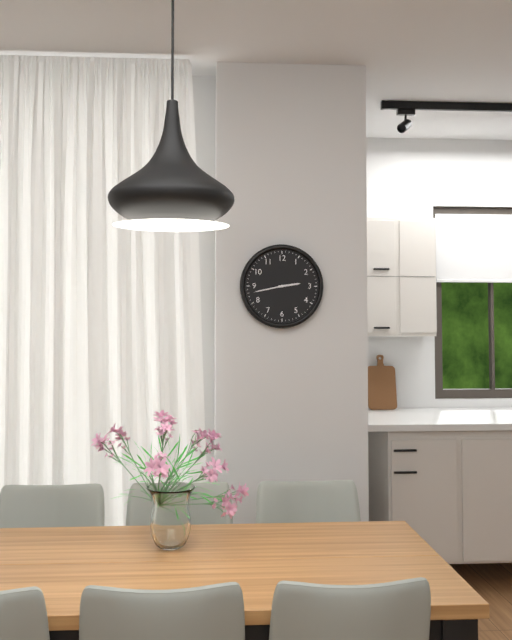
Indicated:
2 h 43 min
